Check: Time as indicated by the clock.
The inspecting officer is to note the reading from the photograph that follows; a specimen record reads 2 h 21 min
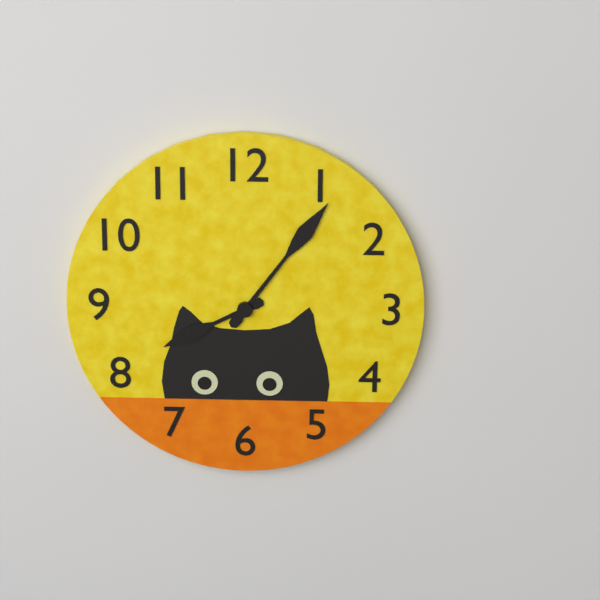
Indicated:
8 h 06 min
